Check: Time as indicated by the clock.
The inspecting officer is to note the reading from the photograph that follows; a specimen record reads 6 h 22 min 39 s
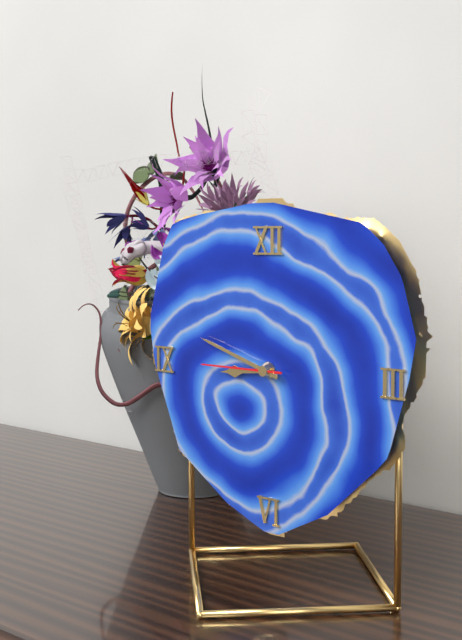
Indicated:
8 h 48 min 45 s
